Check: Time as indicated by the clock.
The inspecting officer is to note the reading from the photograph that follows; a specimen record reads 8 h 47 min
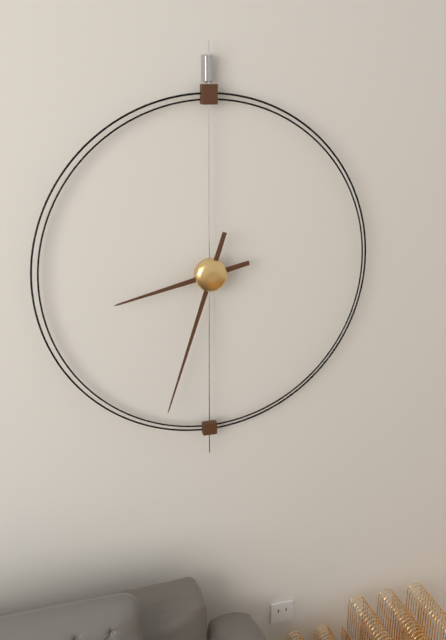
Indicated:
8 h 33 min
